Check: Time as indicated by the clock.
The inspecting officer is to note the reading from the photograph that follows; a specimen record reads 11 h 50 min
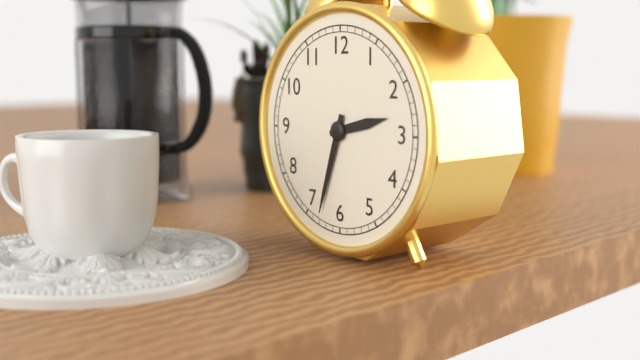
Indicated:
2 h 33 min
